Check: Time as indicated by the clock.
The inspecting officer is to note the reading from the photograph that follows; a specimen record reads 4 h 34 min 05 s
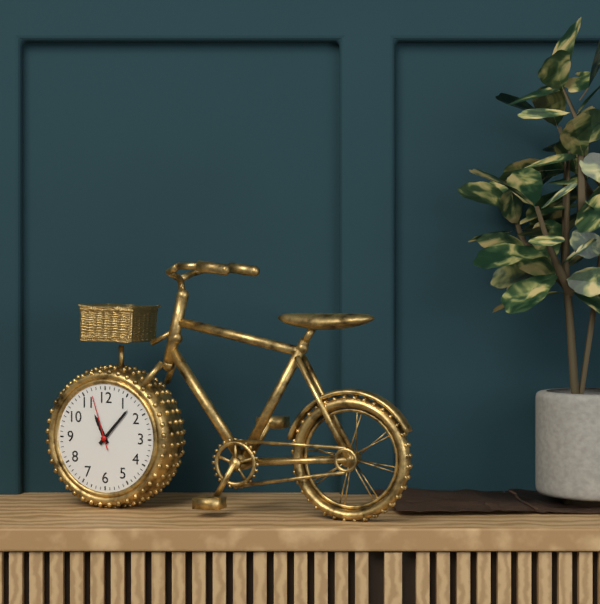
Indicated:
11 h 07 min 57 s
